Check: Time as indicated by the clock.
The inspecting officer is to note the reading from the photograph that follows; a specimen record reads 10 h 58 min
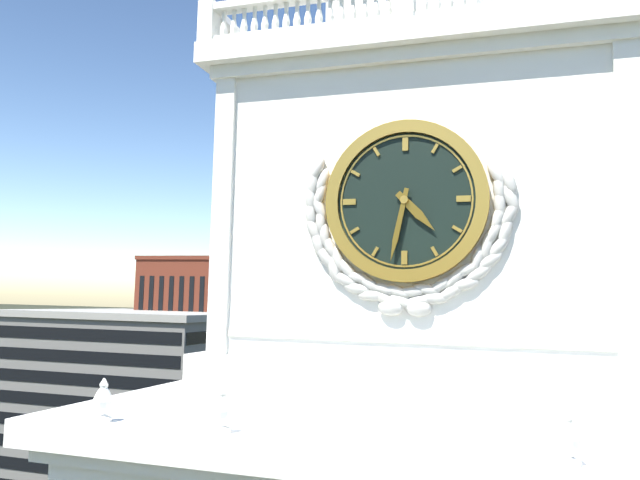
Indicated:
4 h 32 min
